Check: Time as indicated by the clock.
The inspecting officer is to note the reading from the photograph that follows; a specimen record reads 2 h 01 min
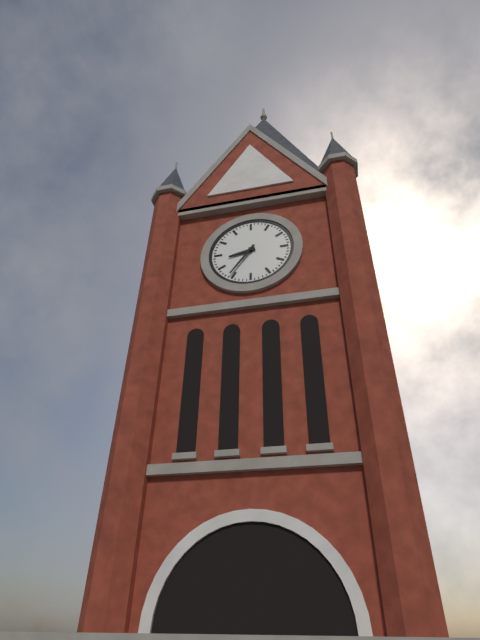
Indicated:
8 h 36 min
